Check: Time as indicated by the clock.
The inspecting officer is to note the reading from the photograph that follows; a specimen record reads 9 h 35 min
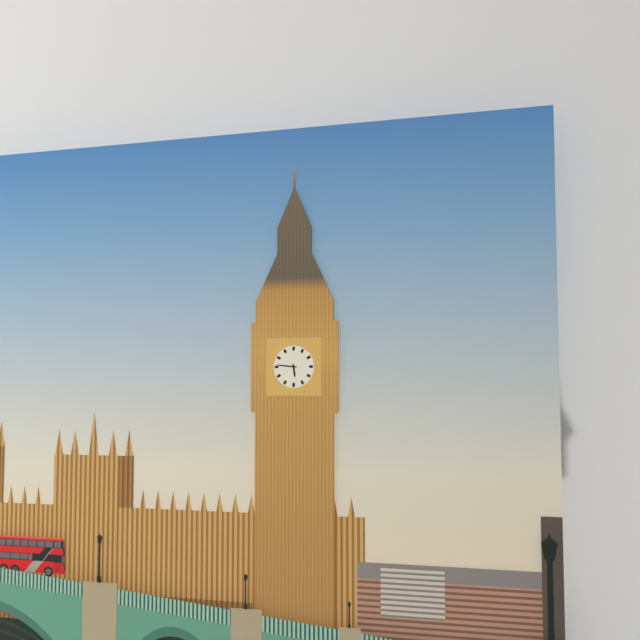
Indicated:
5 h 46 min
